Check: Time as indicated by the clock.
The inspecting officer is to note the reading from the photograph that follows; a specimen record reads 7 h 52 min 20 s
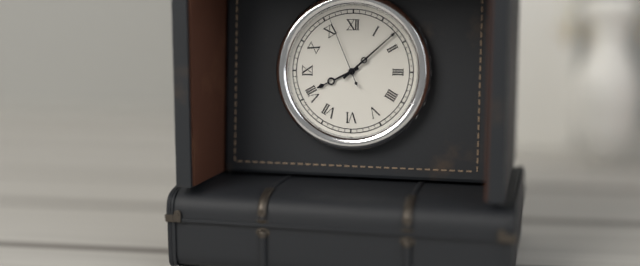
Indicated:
8 h 08 min 56 s
